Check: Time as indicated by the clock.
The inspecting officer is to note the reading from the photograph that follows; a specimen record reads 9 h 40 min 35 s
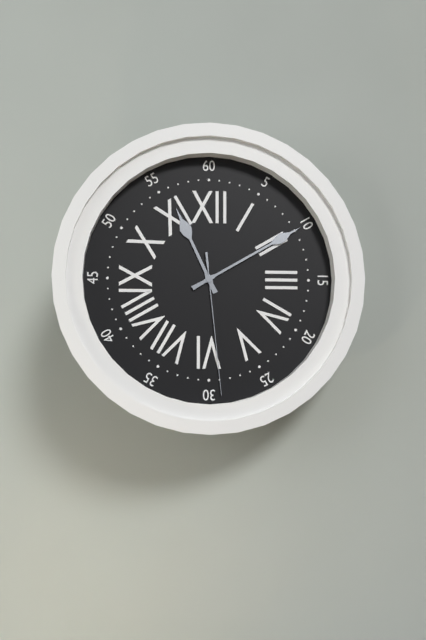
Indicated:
11 h 10 min 29 s
